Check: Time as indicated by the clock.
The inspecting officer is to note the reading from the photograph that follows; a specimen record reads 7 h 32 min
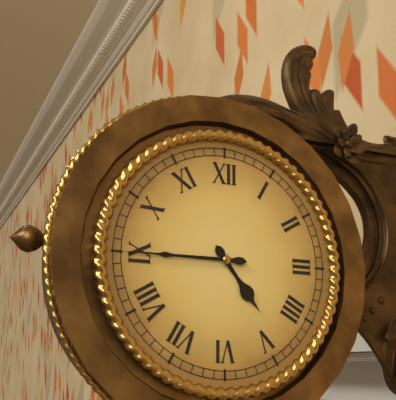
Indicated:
4 h 45 min
